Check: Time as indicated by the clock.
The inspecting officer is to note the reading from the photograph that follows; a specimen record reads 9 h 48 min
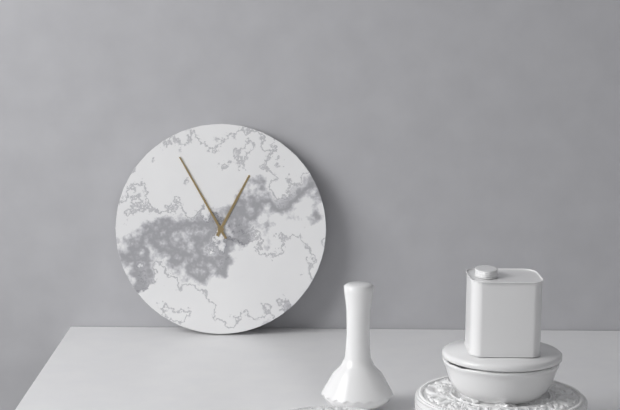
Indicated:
12 h 55 min
